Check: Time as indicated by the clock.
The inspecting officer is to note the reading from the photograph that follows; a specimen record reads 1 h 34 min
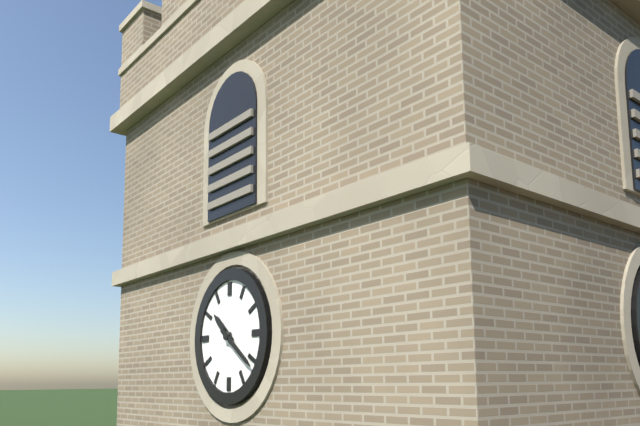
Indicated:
10 h 21 min
